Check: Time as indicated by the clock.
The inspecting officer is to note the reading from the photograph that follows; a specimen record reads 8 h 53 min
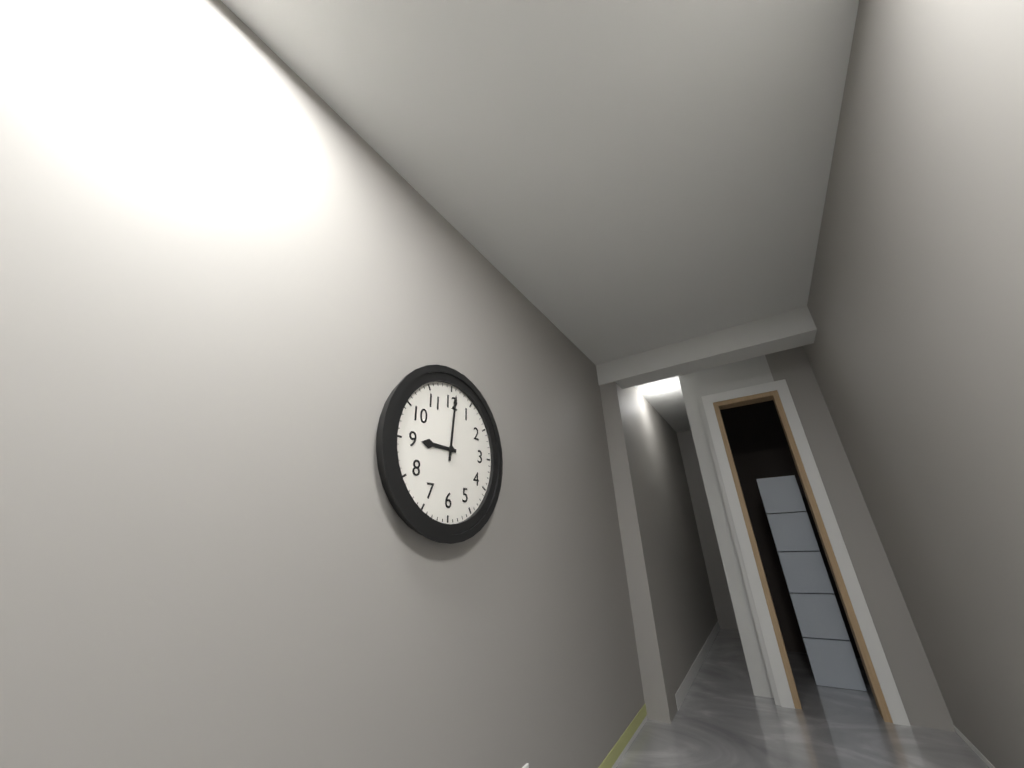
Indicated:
9 h 01 min
